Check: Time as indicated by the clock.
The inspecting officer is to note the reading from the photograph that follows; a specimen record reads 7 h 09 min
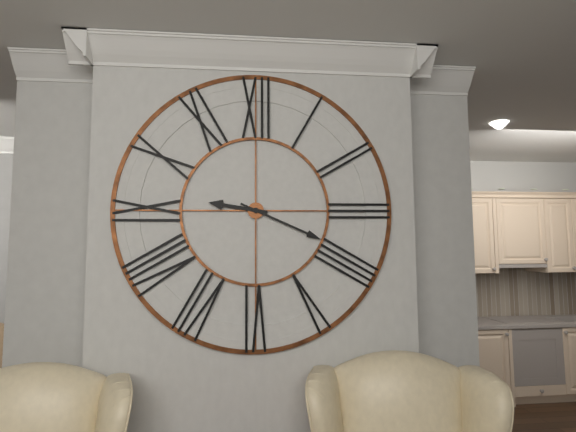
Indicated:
9 h 19 min
